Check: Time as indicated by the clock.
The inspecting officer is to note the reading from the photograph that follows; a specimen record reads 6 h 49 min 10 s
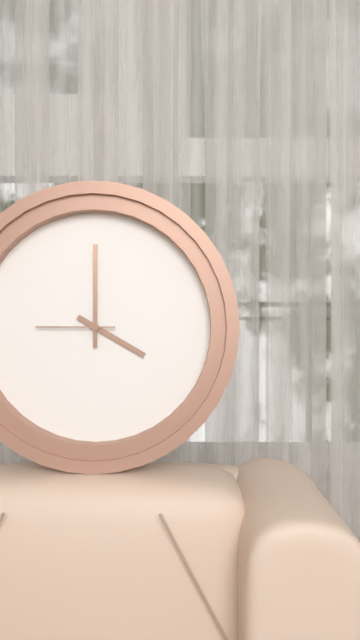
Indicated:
4 h 00 min 45 s
